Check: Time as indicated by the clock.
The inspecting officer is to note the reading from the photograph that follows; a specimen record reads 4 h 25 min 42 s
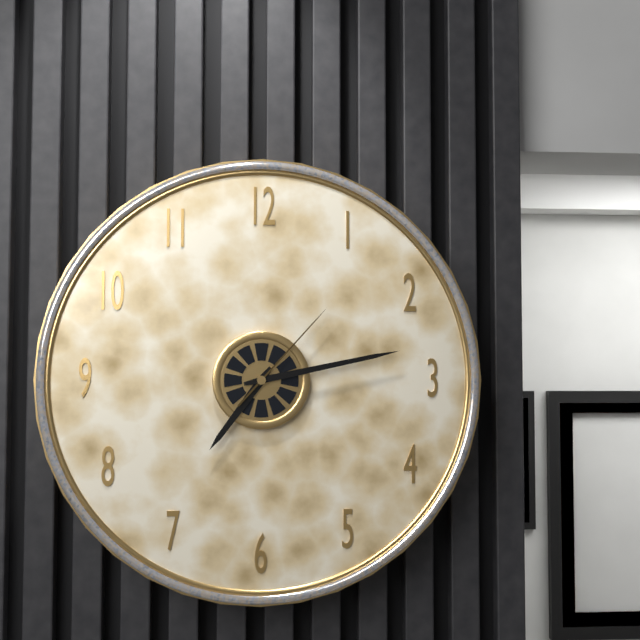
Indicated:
7 h 13 min 07 s
